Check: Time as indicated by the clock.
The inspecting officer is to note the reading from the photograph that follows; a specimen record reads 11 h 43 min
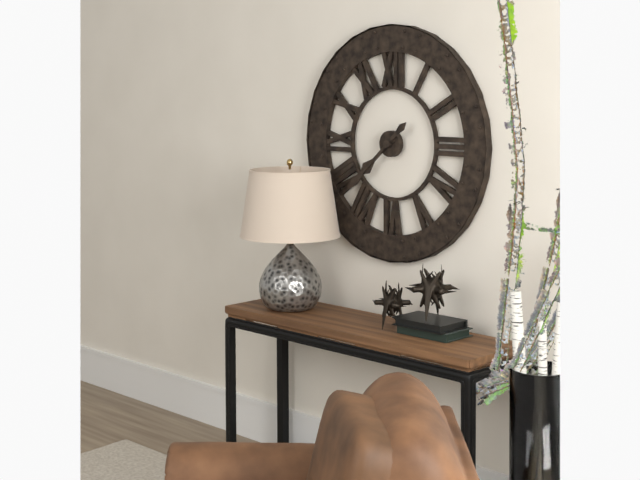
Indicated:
7 h 38 min
